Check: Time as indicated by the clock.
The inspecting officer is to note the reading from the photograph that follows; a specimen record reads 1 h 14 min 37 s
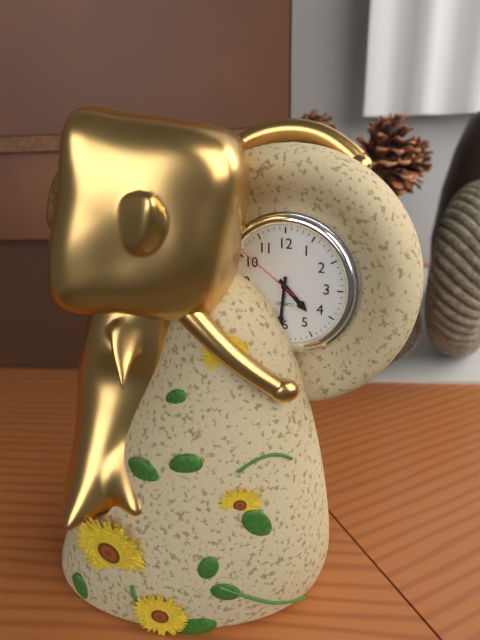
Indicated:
4 h 31 min 51 s
